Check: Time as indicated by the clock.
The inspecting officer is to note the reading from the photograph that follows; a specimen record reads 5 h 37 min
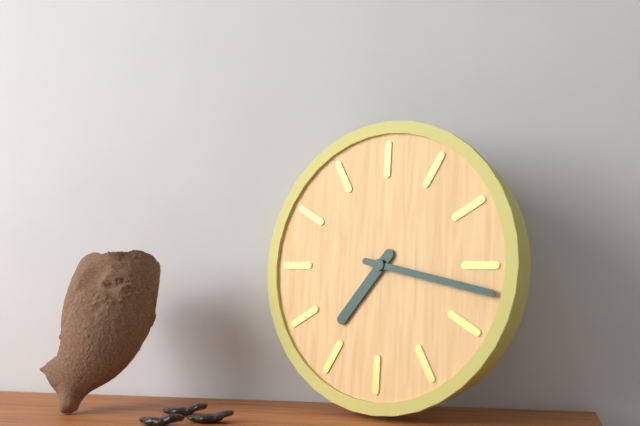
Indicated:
7 h 17 min
